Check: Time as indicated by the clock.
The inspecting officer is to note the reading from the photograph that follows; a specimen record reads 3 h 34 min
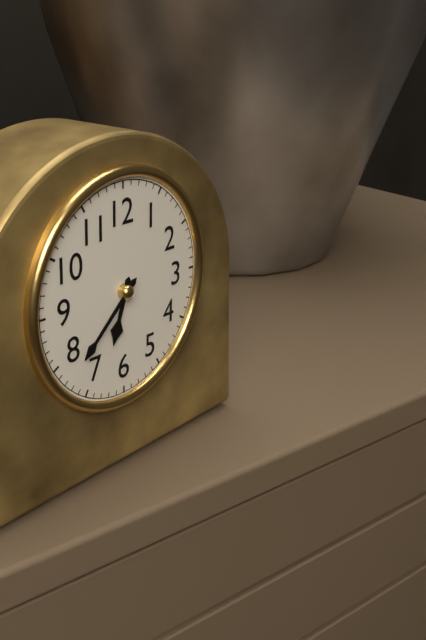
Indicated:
6 h 38 min
